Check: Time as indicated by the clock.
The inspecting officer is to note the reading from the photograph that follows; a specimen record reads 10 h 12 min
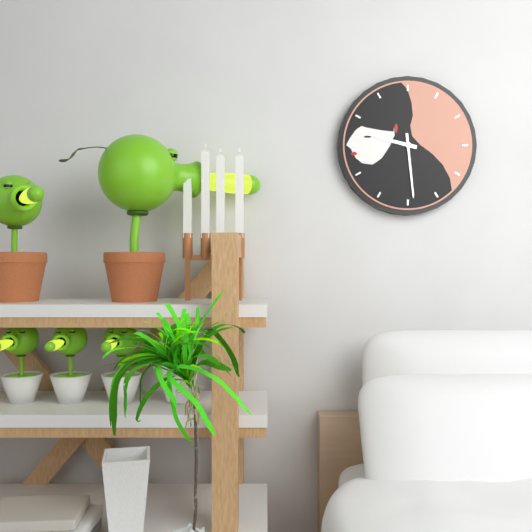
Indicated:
9 h 29 min
